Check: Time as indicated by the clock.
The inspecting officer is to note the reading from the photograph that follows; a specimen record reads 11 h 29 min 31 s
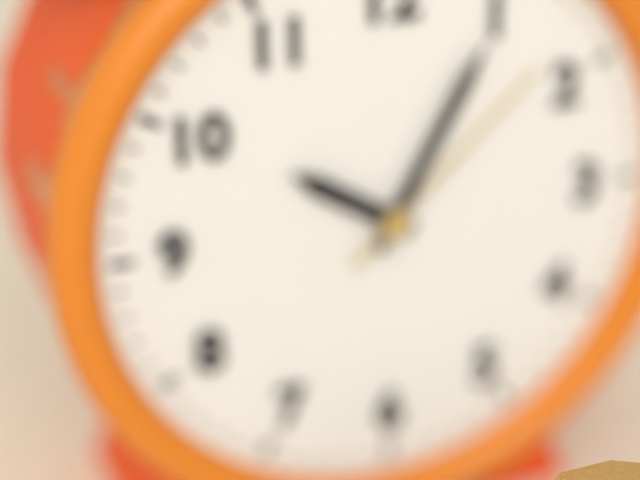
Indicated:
10 h 05 min 08 s
